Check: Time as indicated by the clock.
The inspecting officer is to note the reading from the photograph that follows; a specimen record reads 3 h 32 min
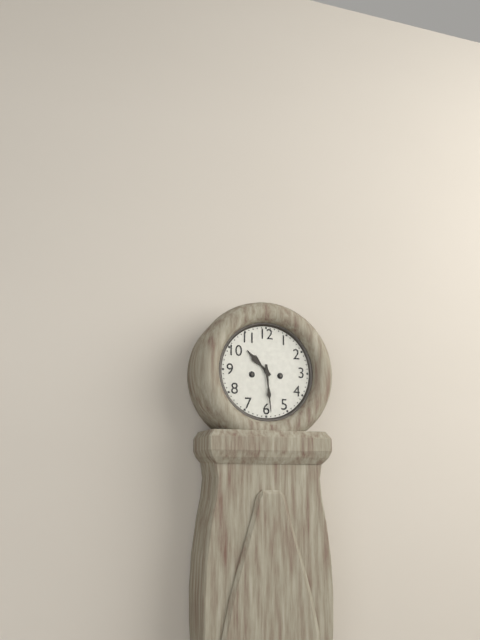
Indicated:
10 h 29 min
